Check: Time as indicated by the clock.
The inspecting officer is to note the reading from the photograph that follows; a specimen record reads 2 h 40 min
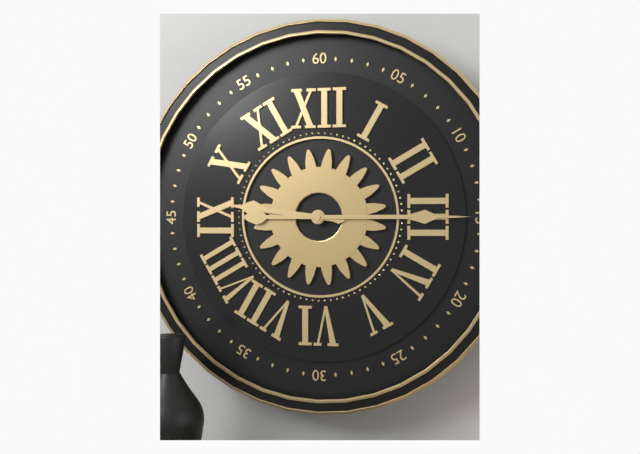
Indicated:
9 h 15 min
